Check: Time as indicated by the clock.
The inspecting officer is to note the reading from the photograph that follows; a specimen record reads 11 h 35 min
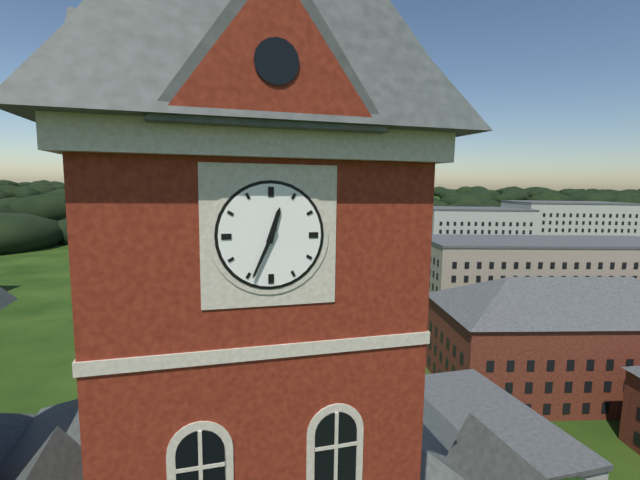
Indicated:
12 h 34 min
